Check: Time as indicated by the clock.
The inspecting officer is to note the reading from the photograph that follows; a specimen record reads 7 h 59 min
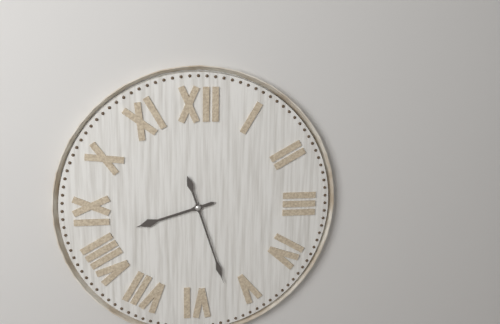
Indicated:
8 h 27 min
